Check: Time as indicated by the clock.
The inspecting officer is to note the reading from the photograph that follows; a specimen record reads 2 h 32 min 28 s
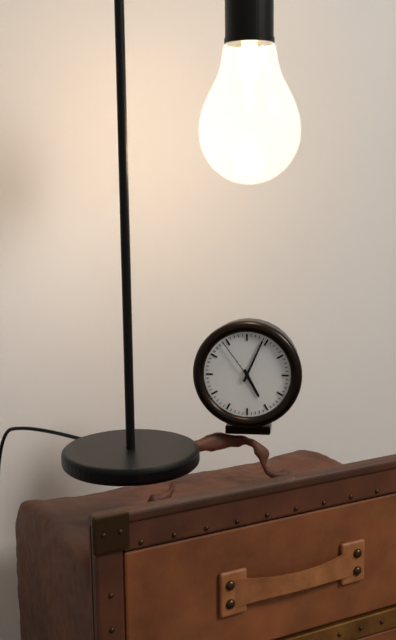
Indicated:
5 h 04 min 54 s
